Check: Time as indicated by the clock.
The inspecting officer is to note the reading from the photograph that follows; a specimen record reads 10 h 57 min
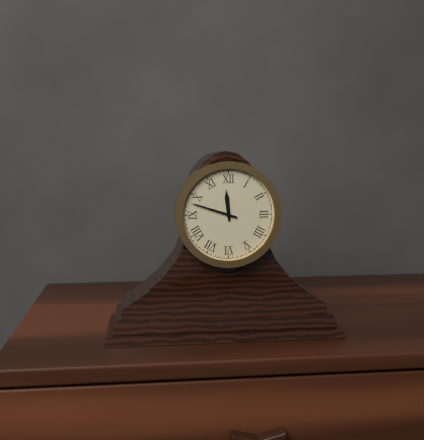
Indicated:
11 h 48 min
